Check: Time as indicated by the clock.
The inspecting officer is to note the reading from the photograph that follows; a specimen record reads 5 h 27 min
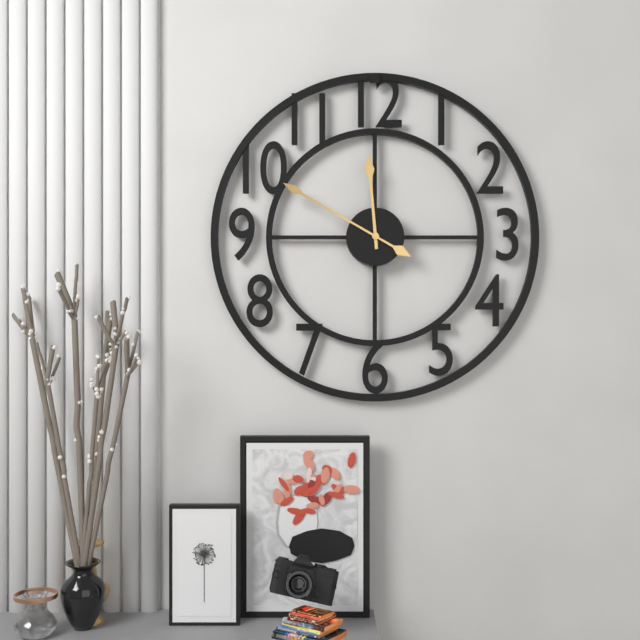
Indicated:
11 h 50 min
